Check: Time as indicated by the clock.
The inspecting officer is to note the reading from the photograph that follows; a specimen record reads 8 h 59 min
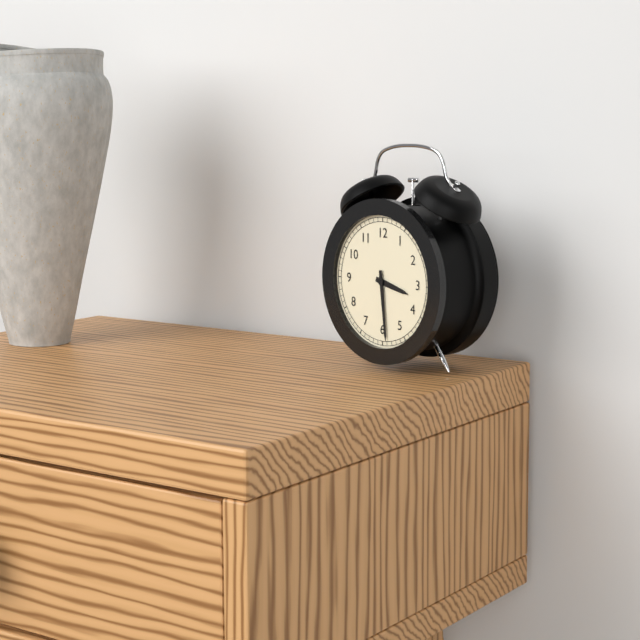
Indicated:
3 h 29 min
